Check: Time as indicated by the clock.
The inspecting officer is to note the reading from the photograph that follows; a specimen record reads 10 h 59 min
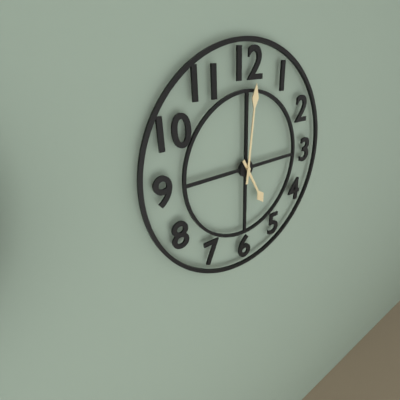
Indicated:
5 h 01 min
